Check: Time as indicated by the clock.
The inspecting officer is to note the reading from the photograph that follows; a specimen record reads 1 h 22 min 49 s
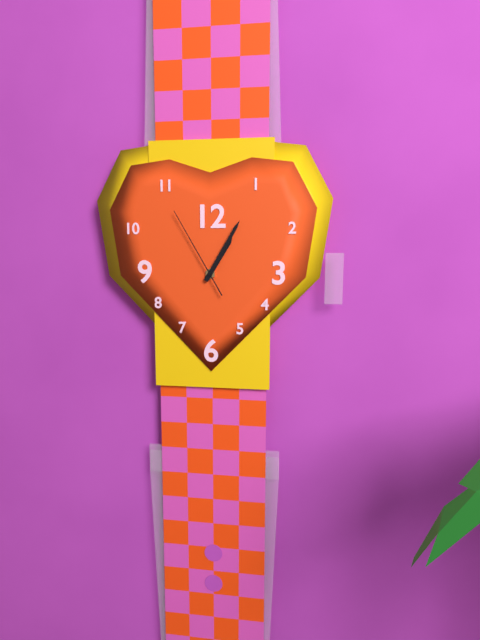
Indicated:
1 h 05 min 55 s
